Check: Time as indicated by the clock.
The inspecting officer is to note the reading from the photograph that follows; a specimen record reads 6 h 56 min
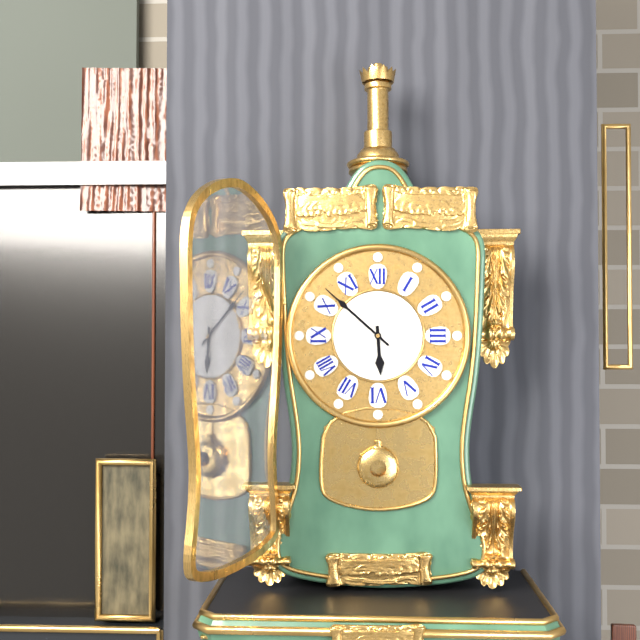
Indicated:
5 h 52 min
